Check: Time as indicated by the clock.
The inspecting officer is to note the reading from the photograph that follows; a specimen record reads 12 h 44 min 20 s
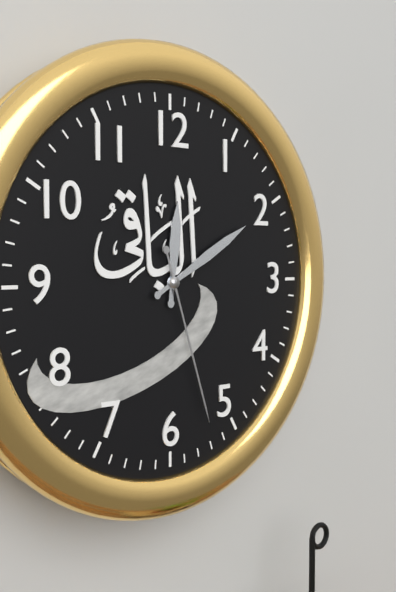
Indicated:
12 h 10 min 27 s
